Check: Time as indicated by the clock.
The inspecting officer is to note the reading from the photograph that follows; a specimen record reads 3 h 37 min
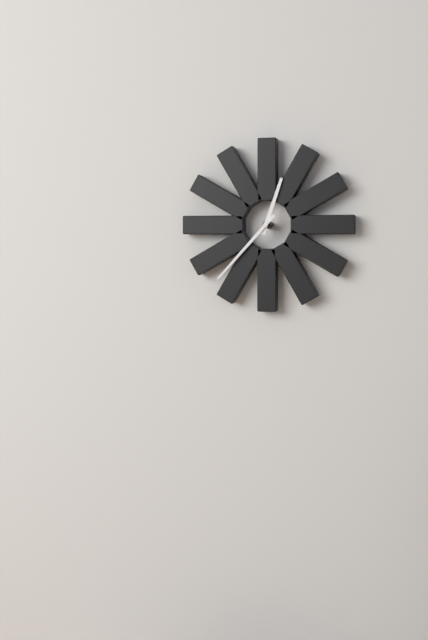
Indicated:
12 h 37 min
